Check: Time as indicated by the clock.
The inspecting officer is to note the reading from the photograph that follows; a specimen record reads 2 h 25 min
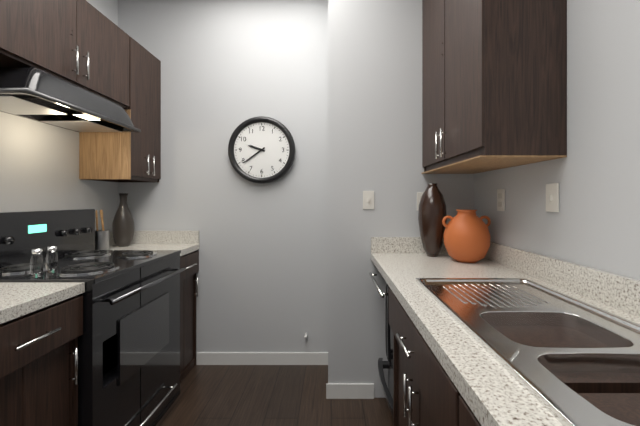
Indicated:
9 h 39 min
